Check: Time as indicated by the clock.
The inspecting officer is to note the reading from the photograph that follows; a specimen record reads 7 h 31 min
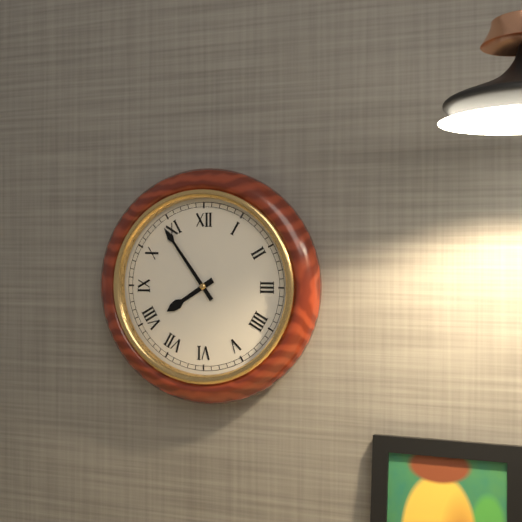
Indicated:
7 h 54 min
